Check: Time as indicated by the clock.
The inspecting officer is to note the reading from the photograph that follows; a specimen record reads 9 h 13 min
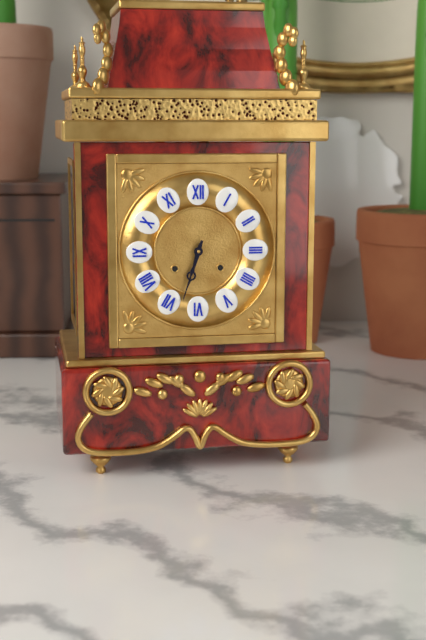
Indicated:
6 h 33 min
